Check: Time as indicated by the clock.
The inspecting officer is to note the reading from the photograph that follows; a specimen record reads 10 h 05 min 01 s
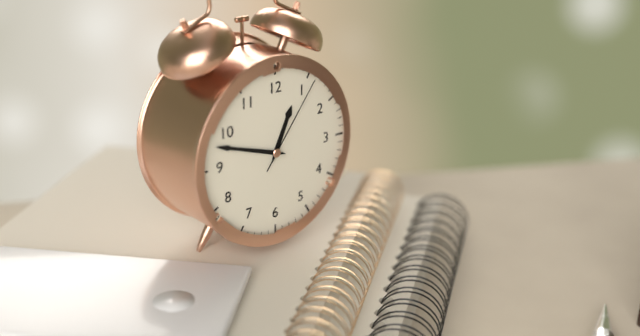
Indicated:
12 h 48 min 06 s
